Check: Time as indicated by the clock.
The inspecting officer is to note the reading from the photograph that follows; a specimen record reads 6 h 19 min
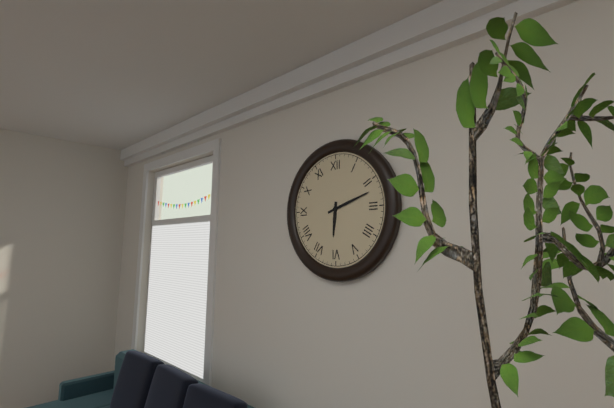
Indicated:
6 h 12 min
